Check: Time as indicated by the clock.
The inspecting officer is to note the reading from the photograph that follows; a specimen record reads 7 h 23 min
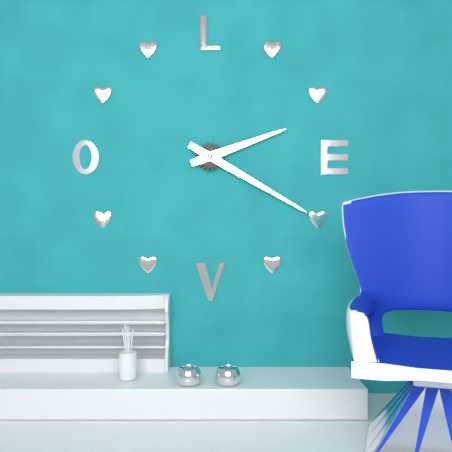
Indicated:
2 h 20 min
